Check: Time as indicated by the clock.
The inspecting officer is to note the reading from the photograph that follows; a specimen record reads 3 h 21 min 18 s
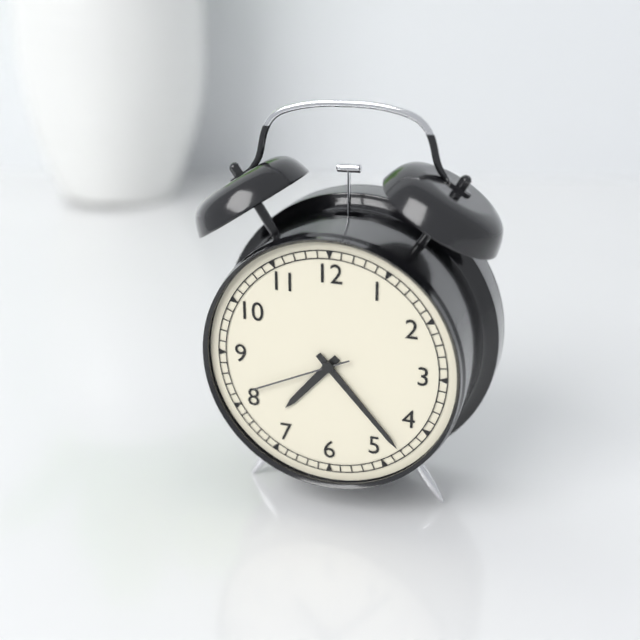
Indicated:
7 h 23 min 41 s
